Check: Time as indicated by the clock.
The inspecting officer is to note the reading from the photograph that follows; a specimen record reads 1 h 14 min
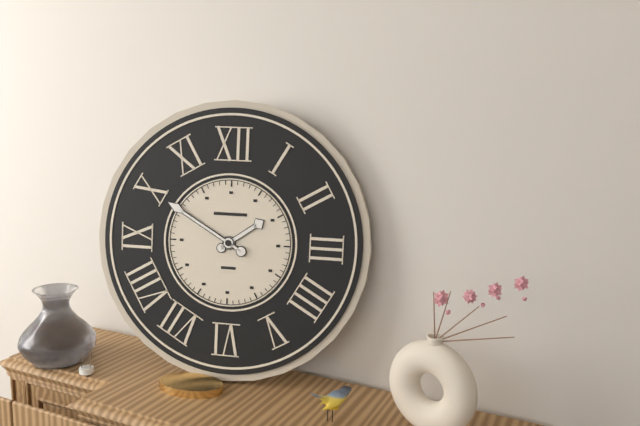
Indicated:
1 h 50 min
